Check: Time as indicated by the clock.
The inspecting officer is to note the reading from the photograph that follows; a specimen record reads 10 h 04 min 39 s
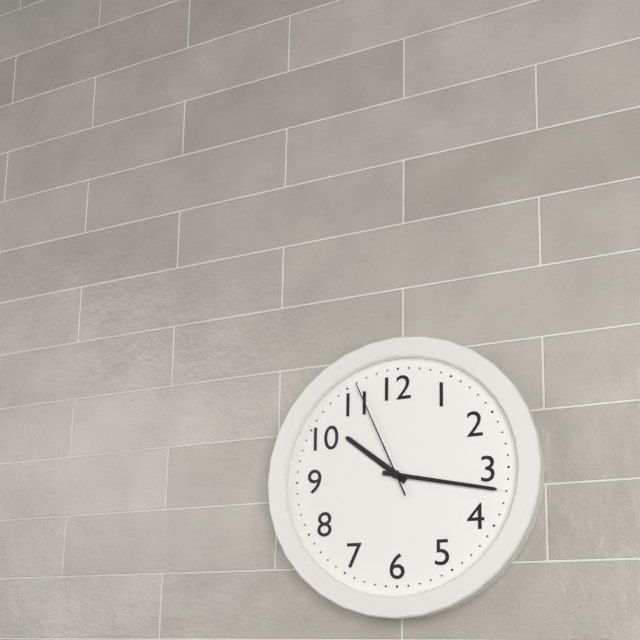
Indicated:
10 h 17 min 56 s
